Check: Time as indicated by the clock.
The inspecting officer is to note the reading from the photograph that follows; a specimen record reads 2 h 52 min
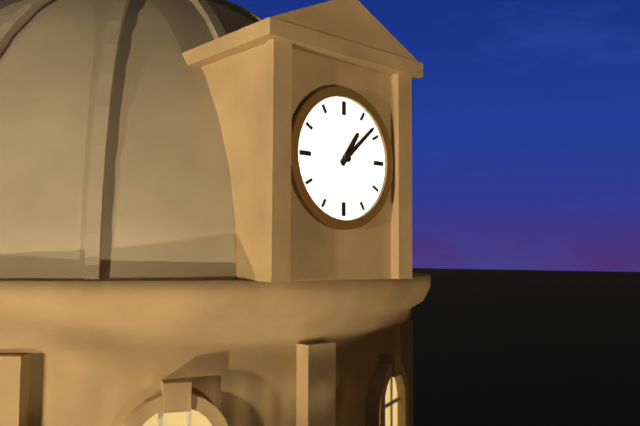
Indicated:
1 h 08 min
